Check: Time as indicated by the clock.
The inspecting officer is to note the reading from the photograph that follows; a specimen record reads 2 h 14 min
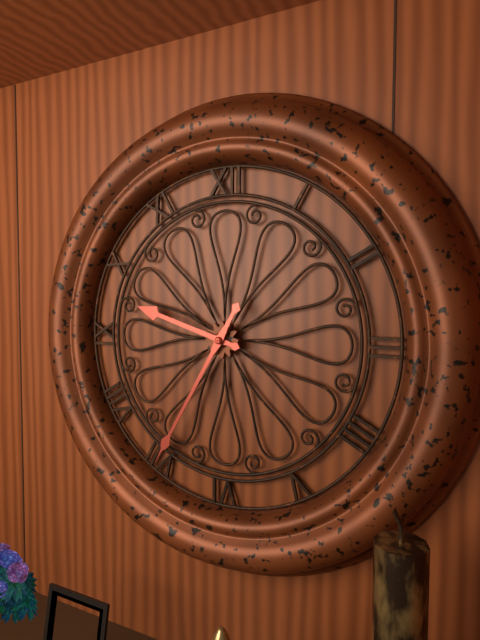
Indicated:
9 h 35 min
